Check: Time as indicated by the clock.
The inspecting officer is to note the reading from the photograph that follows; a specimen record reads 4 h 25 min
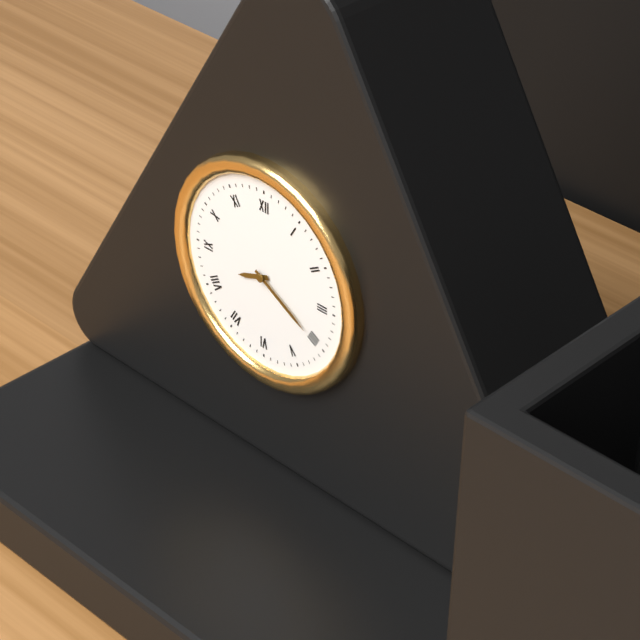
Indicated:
8 h 20 min
